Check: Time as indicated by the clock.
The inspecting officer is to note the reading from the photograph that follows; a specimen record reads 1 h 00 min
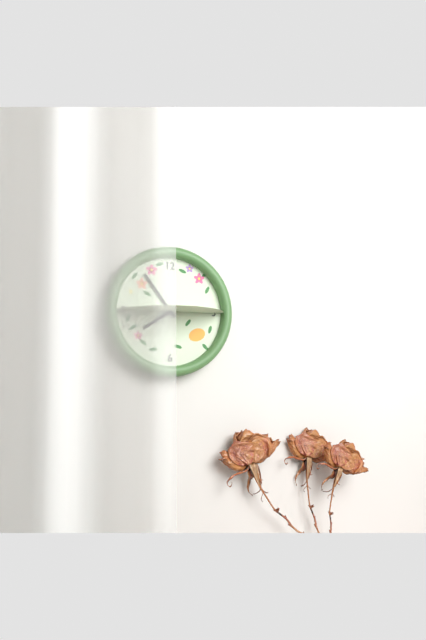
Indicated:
7 h 54 min
